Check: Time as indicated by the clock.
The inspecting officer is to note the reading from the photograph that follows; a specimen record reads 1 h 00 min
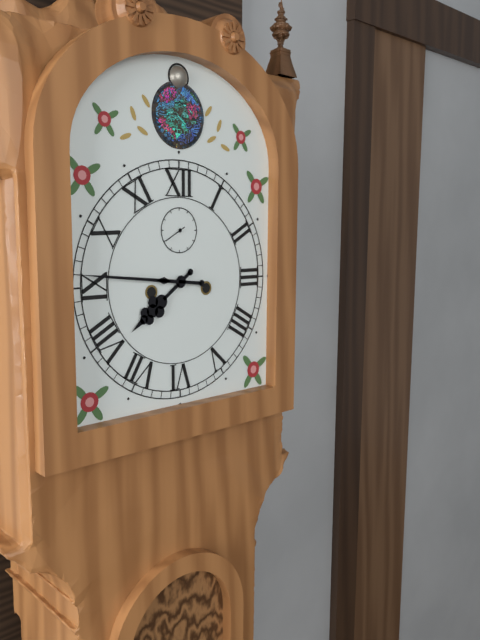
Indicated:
7 h 46 min
